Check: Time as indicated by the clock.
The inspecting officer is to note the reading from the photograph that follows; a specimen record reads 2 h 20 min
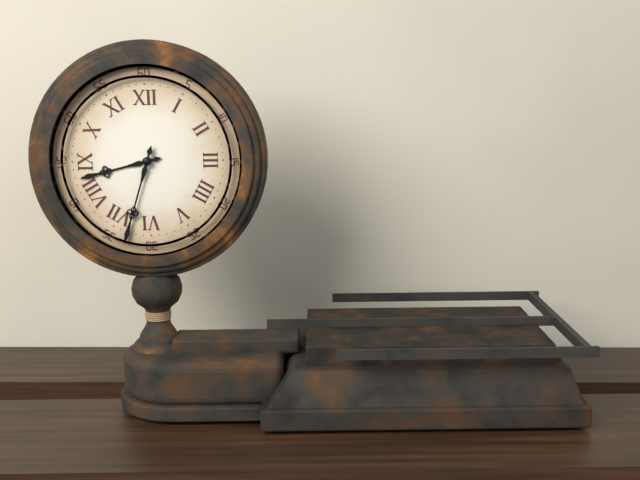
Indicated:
8 h 33 min
